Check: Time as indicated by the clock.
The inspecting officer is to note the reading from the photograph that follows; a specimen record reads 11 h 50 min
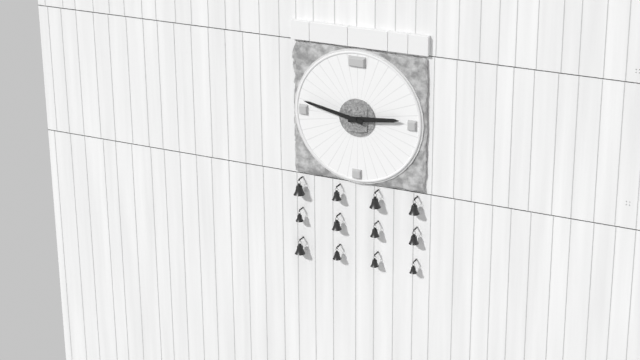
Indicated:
2 h 47 min
